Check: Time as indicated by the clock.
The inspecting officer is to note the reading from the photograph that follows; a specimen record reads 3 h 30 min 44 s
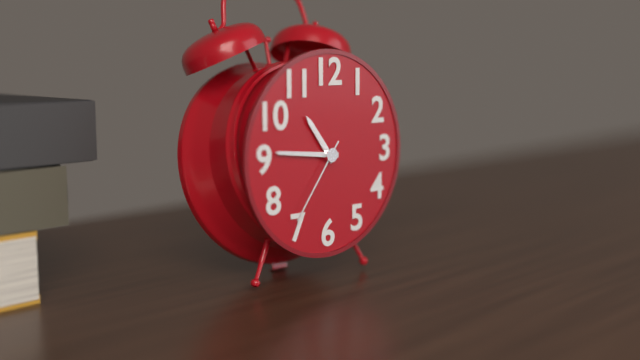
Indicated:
10 h 46 min 36 s
